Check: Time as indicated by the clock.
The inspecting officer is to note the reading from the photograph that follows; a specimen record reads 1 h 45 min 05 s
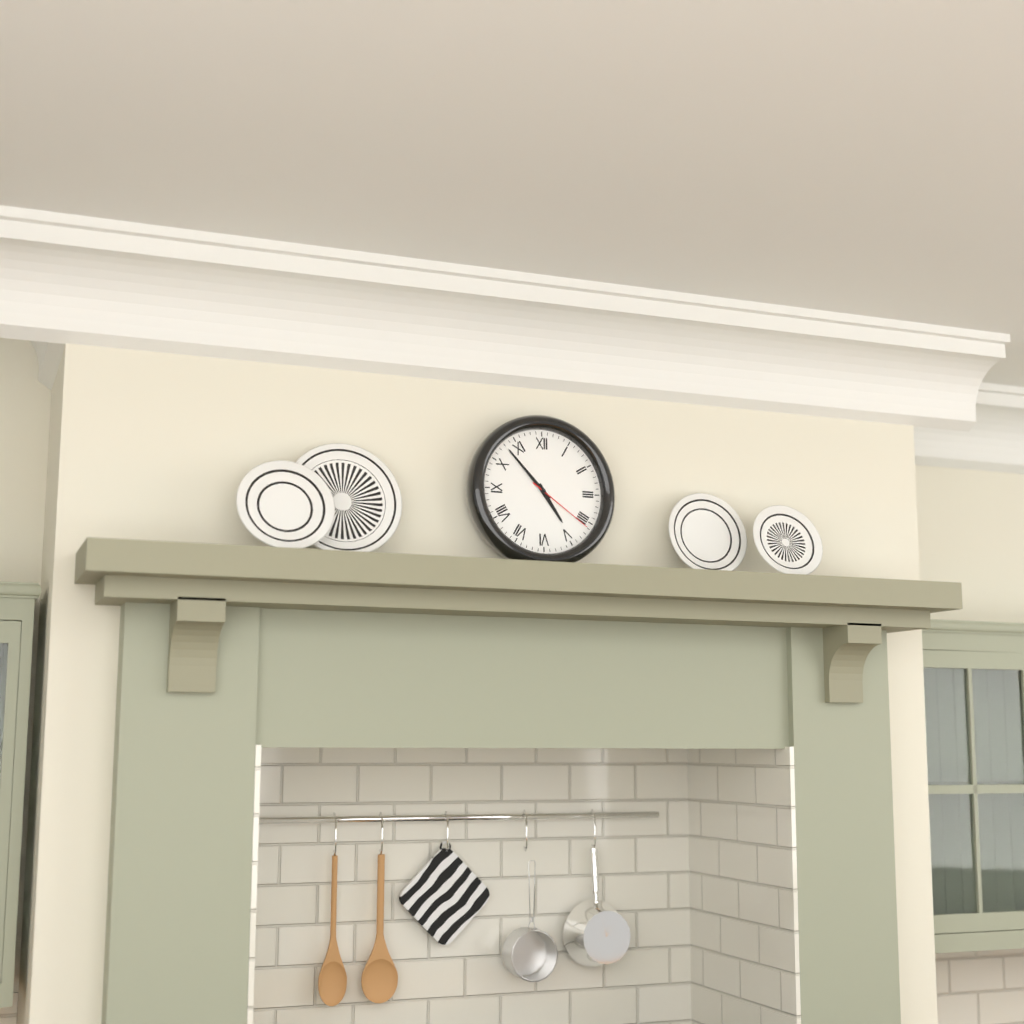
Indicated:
4 h 53 min 21 s
